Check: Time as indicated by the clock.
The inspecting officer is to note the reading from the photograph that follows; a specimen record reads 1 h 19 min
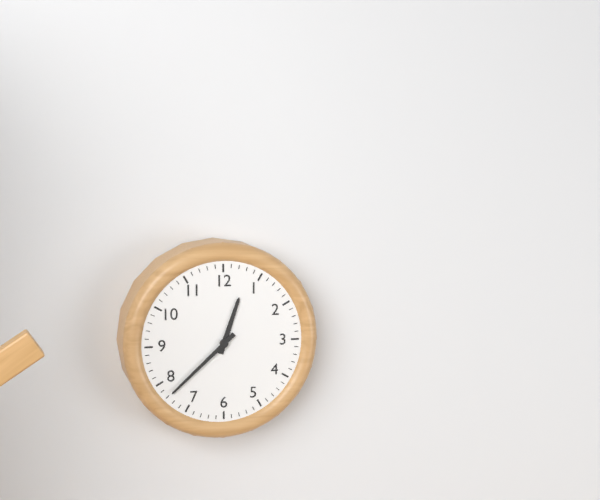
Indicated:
12 h 38 min
